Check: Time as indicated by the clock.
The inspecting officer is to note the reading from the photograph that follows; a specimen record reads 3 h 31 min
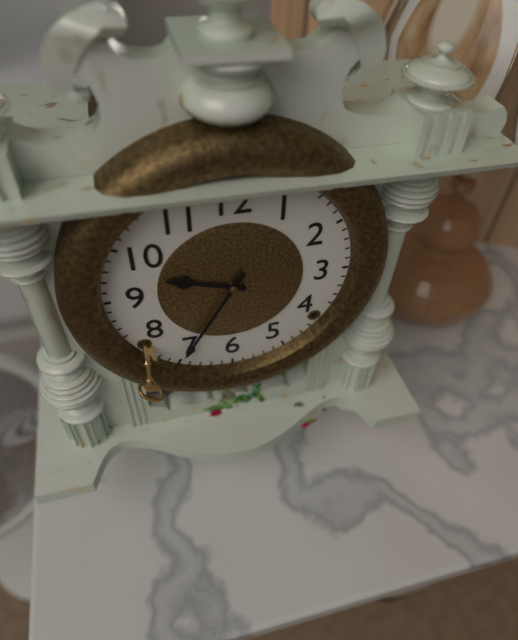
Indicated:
9 h 35 min
